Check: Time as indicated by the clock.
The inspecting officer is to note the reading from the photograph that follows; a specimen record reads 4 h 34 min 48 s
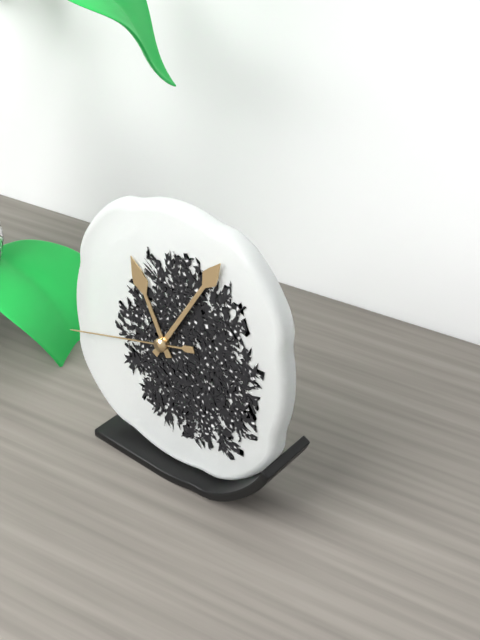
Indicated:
11 h 05 min 42 s
